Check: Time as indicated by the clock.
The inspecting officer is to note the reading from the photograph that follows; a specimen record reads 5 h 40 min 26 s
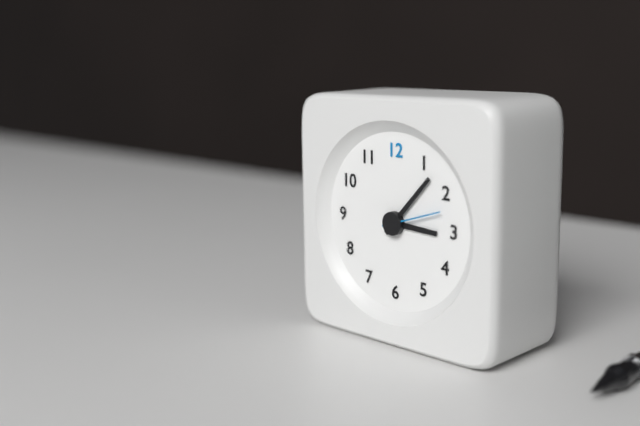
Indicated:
3 h 07 min 12 s
